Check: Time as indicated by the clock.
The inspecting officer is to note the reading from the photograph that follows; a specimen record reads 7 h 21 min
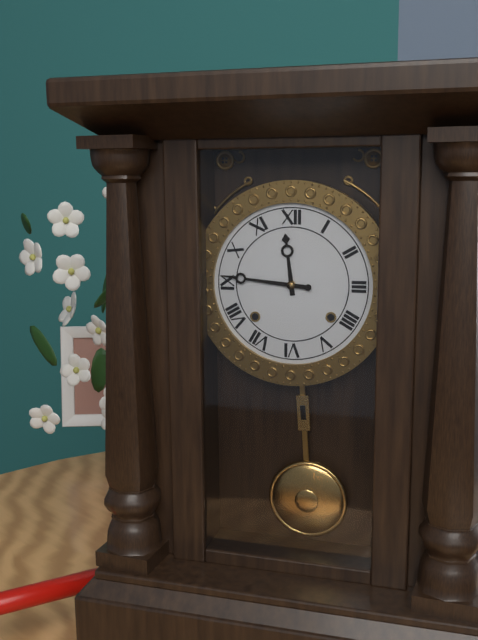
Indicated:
11 h 46 min
